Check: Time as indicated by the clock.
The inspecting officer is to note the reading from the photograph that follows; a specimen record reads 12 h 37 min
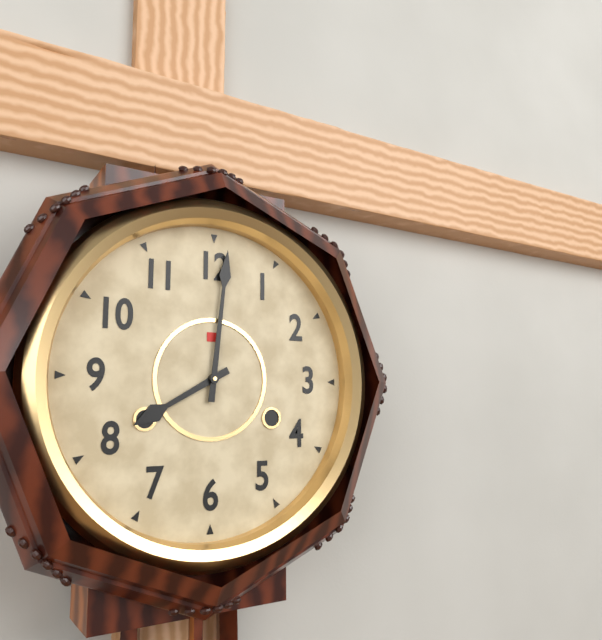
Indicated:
8 h 01 min
